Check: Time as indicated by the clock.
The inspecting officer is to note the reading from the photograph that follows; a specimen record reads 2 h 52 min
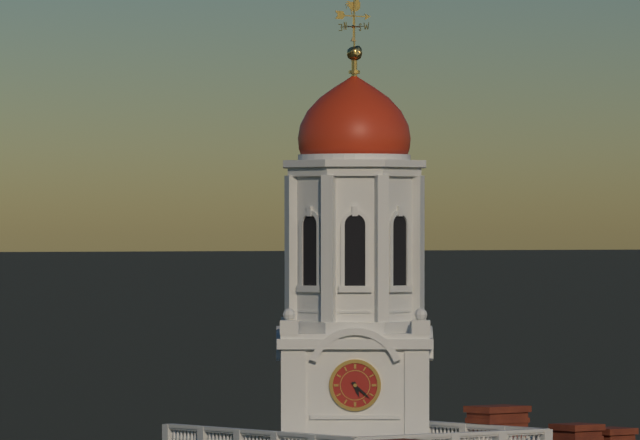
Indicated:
5 h 22 min
